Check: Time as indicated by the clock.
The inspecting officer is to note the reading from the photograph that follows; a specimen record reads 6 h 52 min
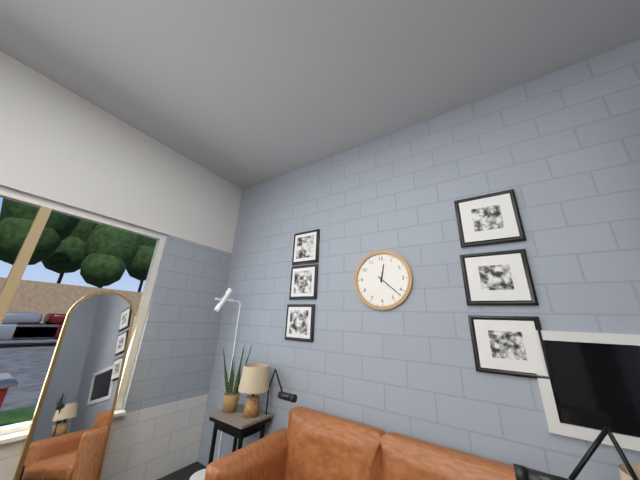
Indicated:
12 h 22 min
